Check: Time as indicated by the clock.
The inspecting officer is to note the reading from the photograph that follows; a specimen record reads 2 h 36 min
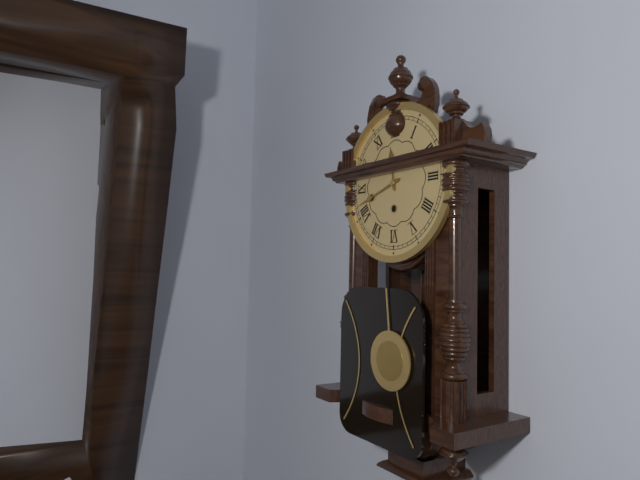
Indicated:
11 h 42 min
